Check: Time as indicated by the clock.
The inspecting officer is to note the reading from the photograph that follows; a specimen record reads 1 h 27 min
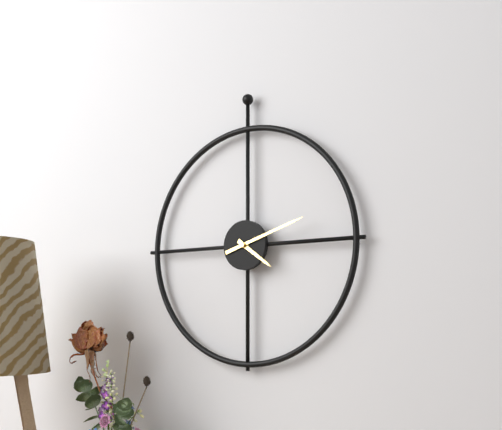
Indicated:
4 h 12 min
